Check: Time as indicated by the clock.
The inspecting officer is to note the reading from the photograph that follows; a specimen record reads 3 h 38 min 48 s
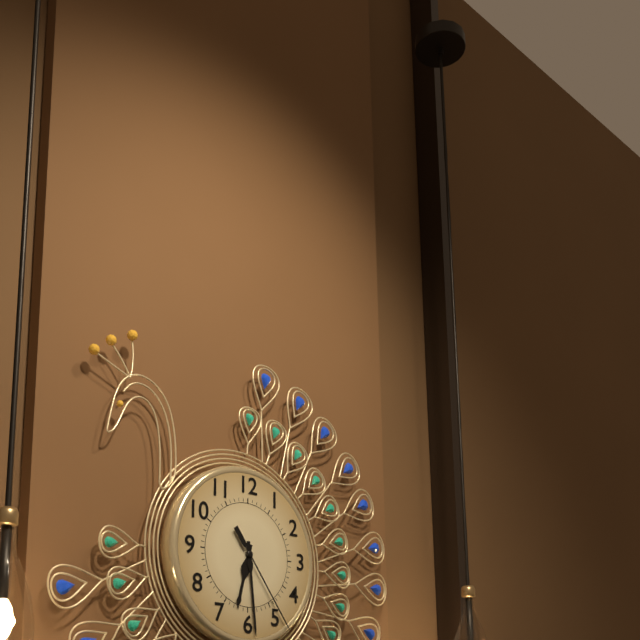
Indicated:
6 h 29 min 24 s
